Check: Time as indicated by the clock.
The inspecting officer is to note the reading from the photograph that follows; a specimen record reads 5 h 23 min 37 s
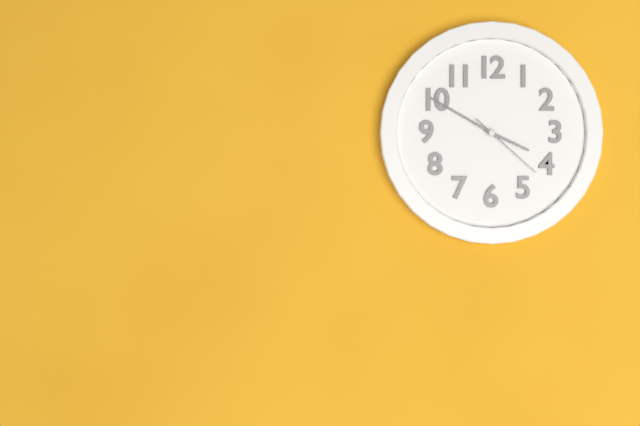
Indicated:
3 h 50 min 22 s
